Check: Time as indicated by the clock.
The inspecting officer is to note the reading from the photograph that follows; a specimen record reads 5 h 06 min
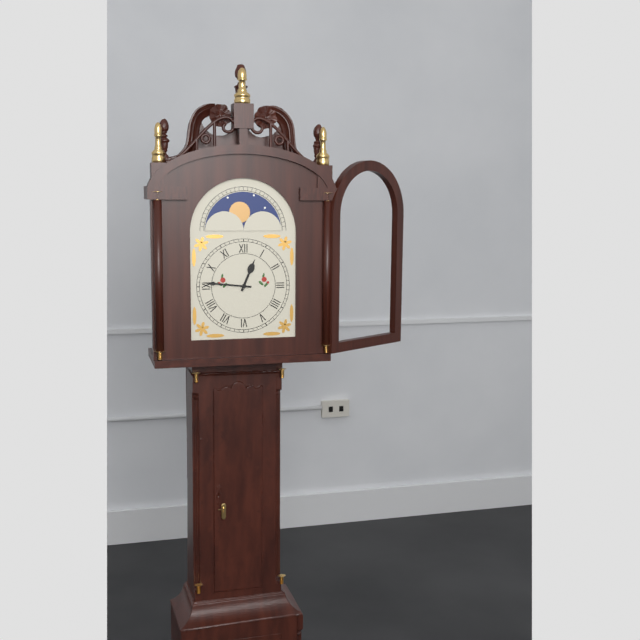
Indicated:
12 h 46 min
